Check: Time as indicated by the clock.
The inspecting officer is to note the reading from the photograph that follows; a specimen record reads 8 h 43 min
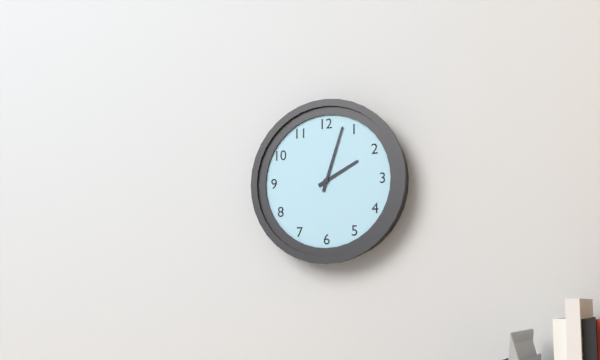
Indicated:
2 h 03 min
